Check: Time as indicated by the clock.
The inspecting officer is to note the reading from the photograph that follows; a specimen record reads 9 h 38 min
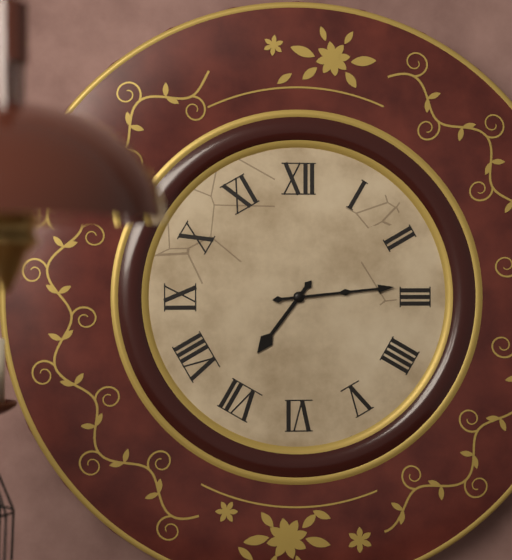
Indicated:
7 h 14 min
